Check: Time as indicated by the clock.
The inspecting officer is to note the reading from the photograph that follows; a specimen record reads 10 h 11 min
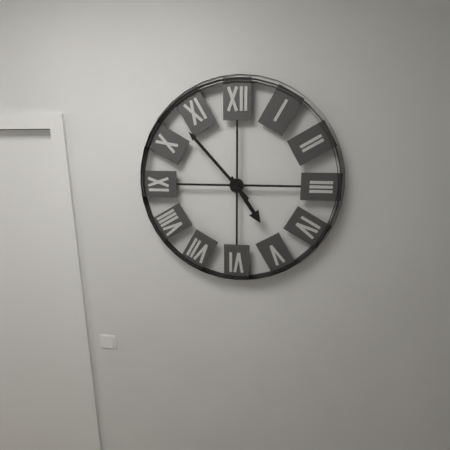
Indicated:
4 h 53 min
